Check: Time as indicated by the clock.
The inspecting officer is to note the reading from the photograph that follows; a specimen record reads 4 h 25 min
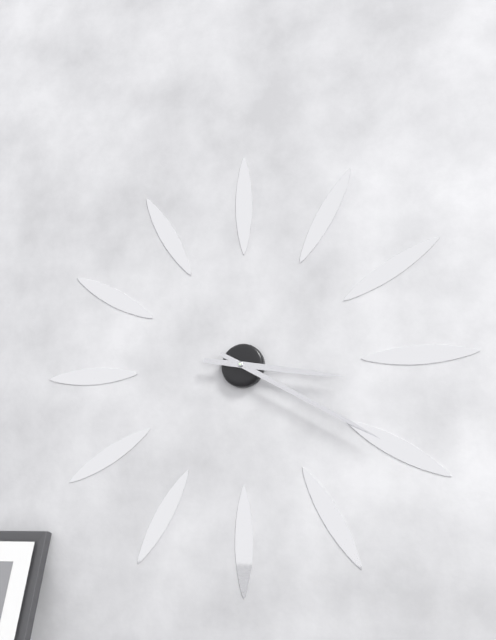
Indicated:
3 h 20 min
